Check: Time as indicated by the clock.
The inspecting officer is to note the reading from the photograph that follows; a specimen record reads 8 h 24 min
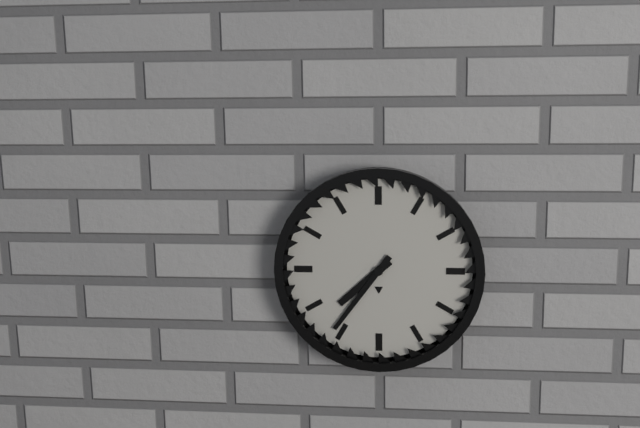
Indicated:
7 h 36 min
